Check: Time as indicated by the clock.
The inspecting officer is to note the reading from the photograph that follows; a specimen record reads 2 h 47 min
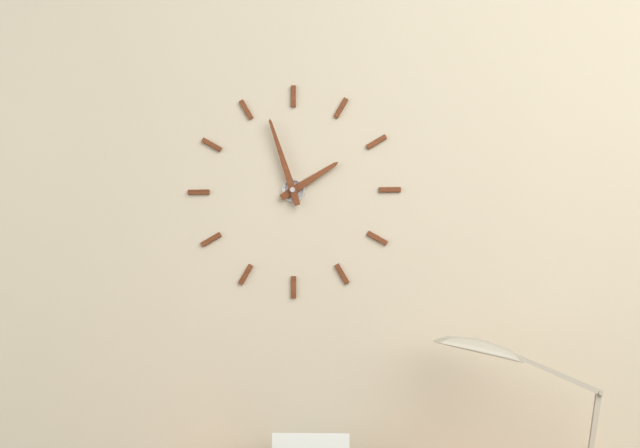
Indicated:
1 h 57 min
